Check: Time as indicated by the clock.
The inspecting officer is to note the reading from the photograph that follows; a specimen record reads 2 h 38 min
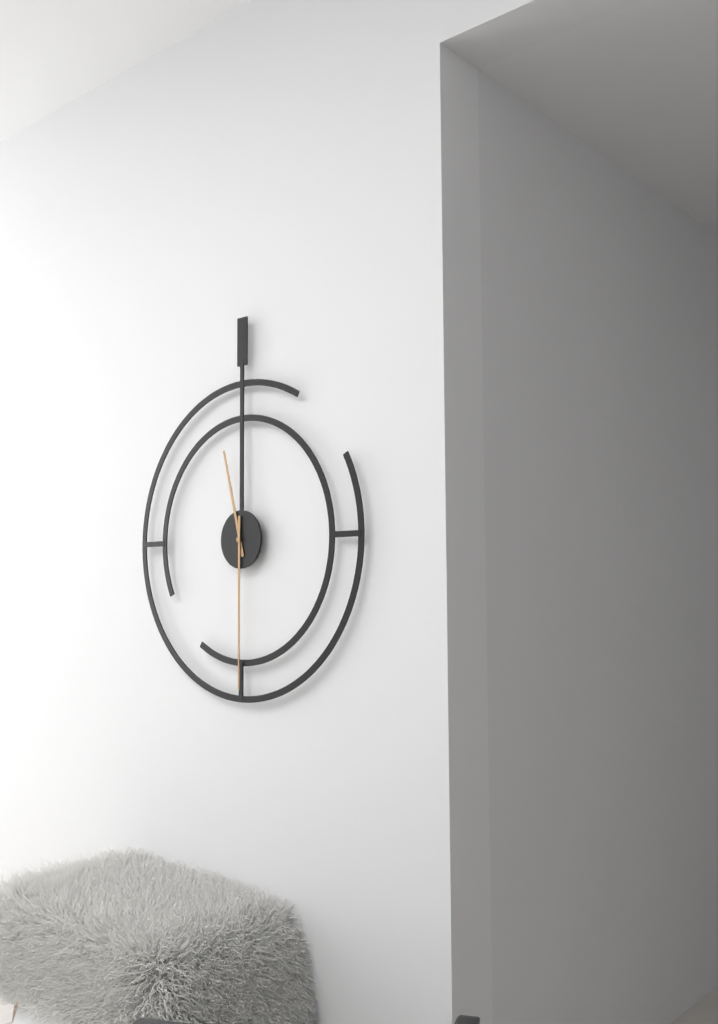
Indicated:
11 h 30 min
